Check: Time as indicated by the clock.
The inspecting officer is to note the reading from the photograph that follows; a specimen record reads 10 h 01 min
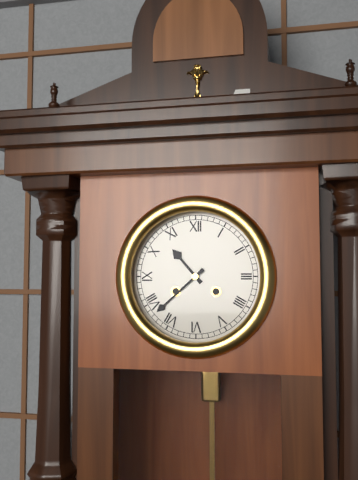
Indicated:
10 h 38 min
